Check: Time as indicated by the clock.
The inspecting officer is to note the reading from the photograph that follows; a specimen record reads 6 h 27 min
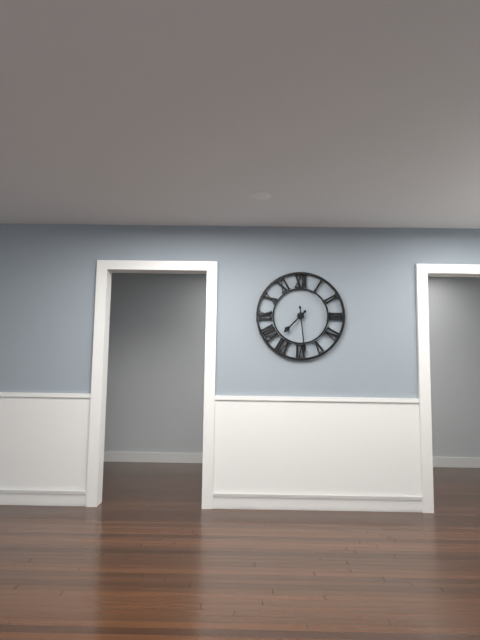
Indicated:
7 h 29 min
